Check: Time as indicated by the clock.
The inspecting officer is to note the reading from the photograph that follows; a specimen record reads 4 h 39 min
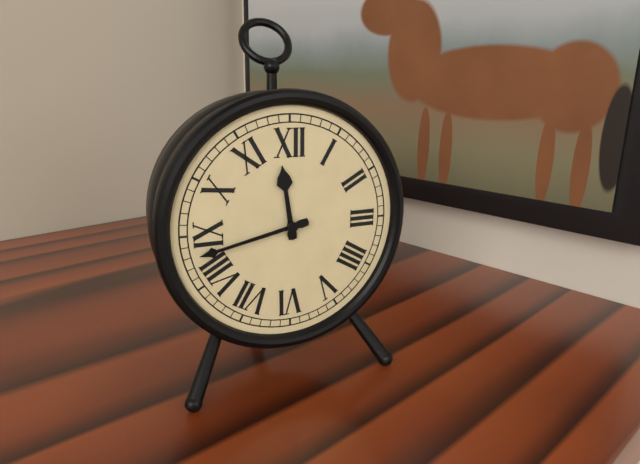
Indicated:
11 h 43 min
